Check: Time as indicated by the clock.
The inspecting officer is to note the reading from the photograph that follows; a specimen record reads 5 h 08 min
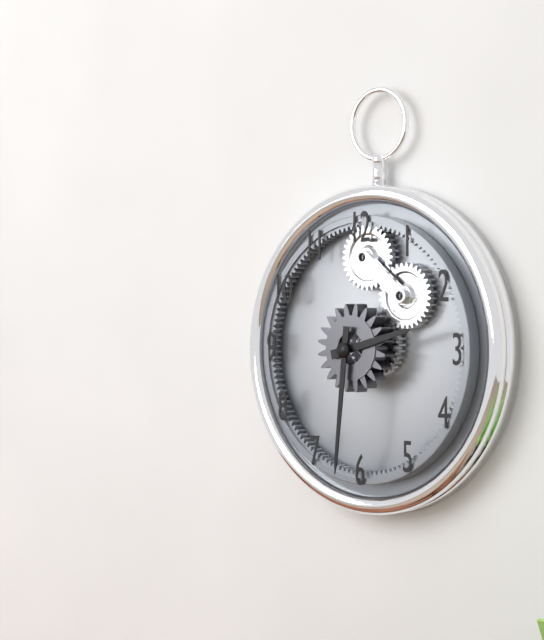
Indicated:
2 h 31 min
